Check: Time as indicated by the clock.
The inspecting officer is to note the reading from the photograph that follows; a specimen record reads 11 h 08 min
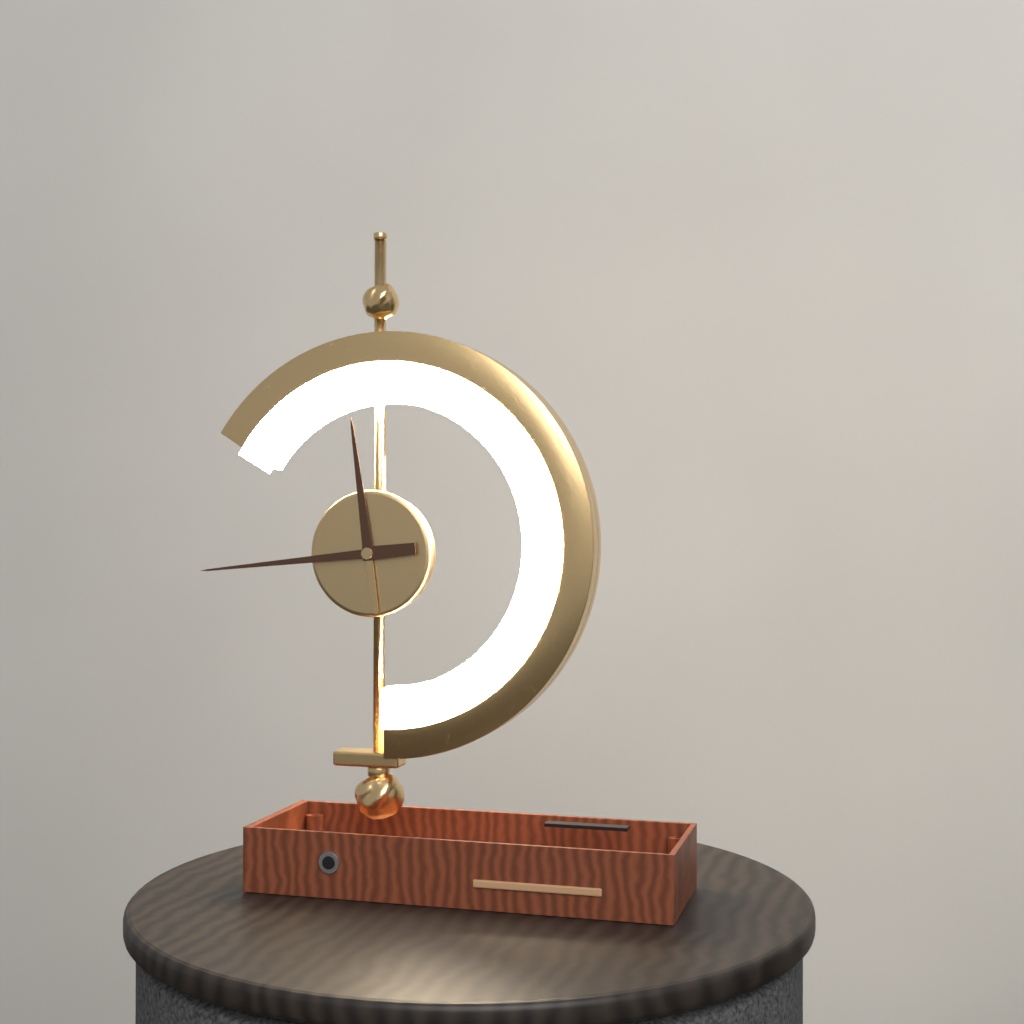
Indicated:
11 h 44 min
